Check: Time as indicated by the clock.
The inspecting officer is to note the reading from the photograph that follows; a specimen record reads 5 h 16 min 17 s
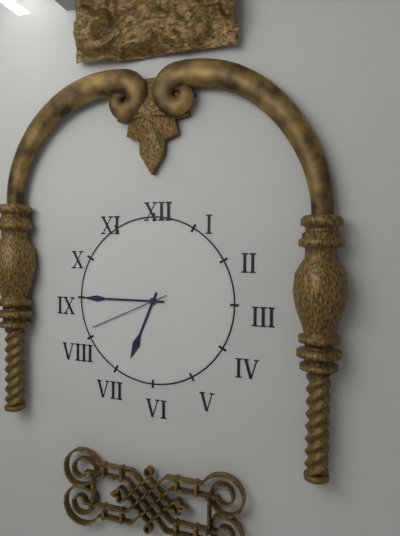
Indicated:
6 h 45 min 41 s
